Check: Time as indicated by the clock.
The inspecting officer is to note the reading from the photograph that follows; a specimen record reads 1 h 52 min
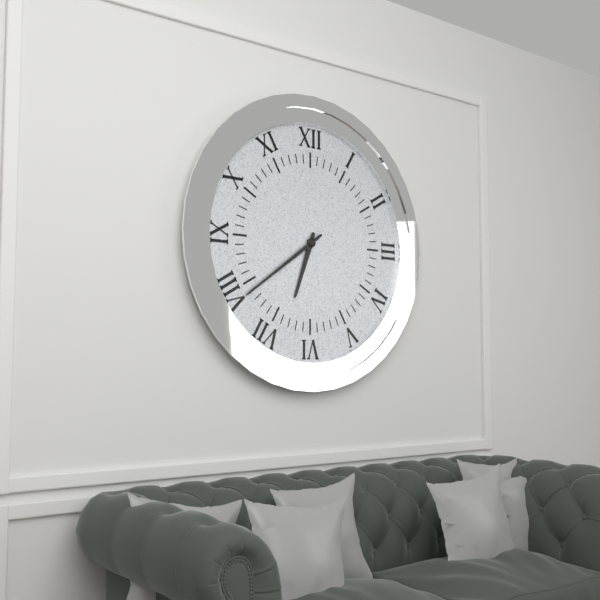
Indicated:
6 h 39 min
